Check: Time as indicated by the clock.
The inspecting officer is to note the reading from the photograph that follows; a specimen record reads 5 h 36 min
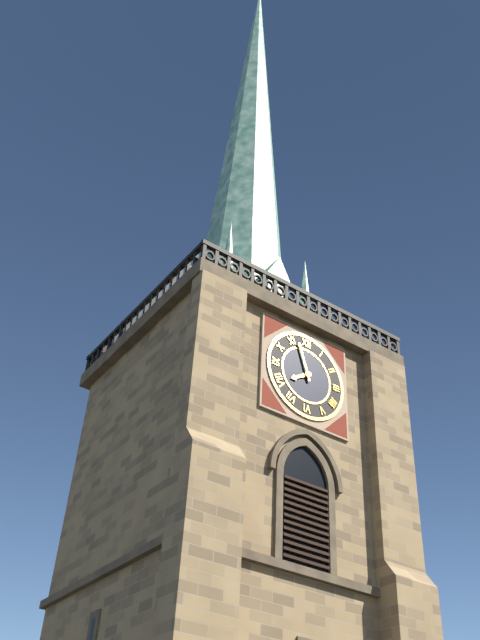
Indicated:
7 h 57 min
